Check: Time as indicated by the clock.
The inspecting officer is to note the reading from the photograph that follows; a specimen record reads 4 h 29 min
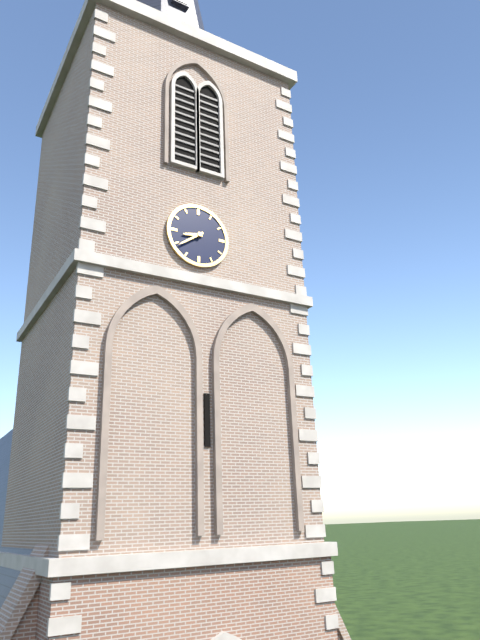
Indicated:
8 h 39 min
